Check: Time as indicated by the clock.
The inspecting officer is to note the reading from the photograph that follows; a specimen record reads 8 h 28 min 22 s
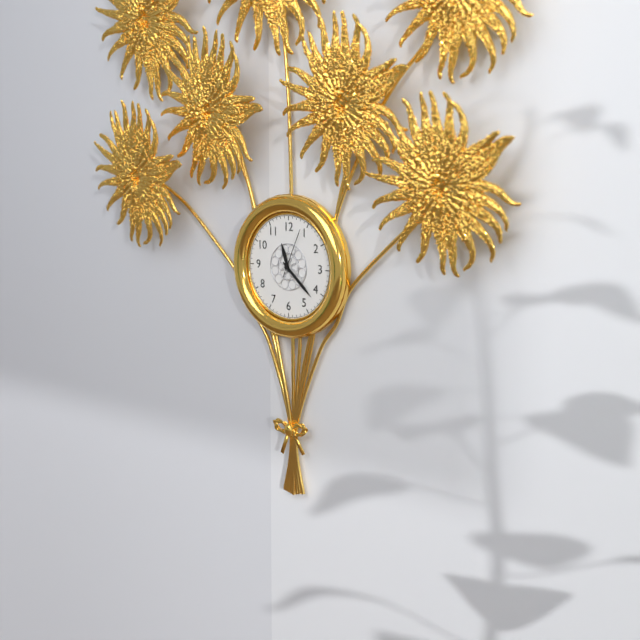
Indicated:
11 h 22 min 04 s
